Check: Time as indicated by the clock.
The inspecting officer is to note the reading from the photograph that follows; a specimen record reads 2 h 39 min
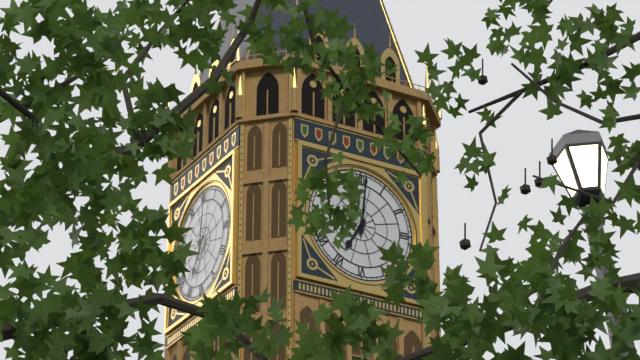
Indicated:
7 h 01 min
